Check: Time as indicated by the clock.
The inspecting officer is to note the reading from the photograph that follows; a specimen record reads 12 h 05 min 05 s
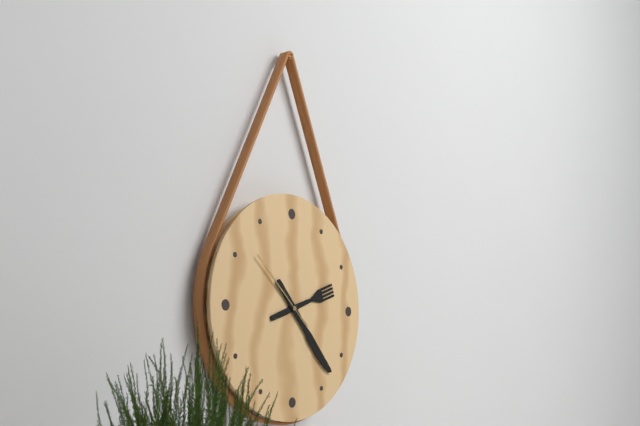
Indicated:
2 h 23 min 52 s
